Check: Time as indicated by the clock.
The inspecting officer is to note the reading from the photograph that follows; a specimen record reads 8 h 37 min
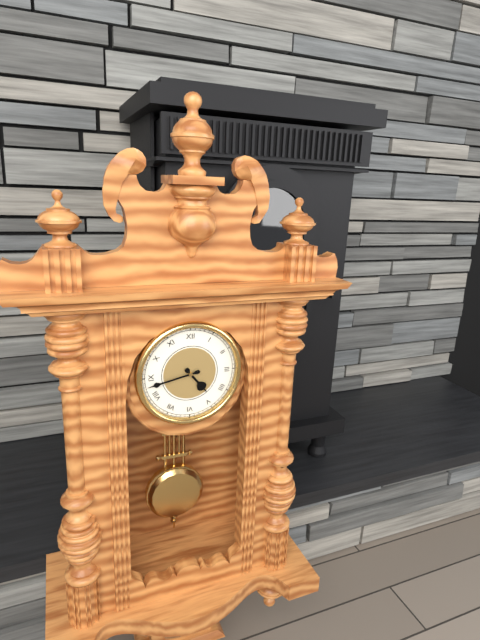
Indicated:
4 h 43 min
